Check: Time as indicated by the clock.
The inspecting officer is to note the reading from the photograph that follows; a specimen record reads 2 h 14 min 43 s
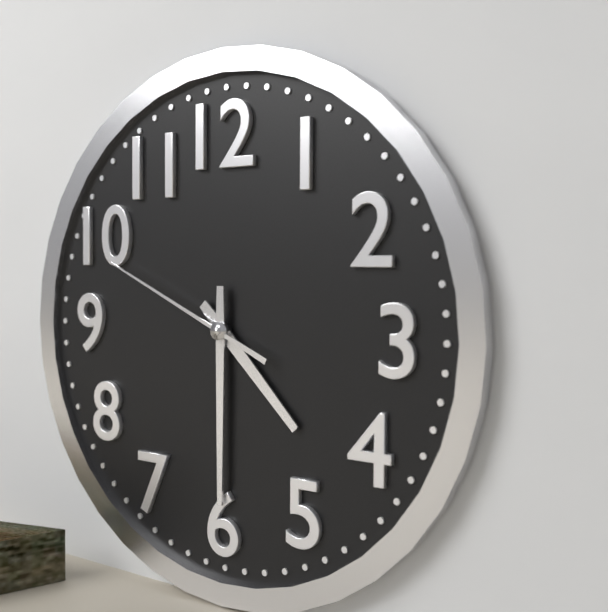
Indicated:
4 h 30 min 49 s
